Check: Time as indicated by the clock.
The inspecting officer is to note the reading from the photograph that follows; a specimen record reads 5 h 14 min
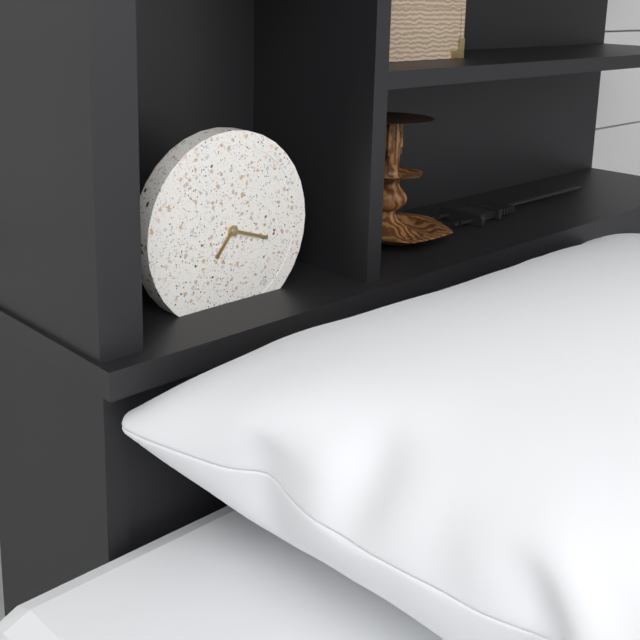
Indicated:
7 h 18 min
